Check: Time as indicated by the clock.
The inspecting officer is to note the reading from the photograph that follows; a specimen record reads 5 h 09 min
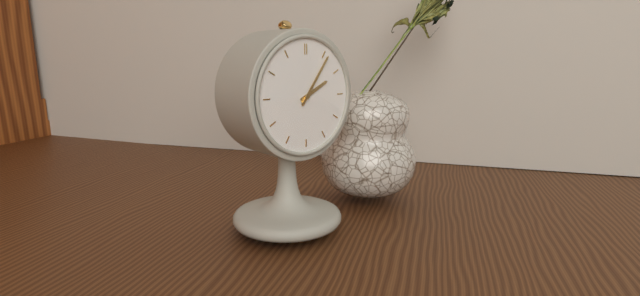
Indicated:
2 h 06 min
